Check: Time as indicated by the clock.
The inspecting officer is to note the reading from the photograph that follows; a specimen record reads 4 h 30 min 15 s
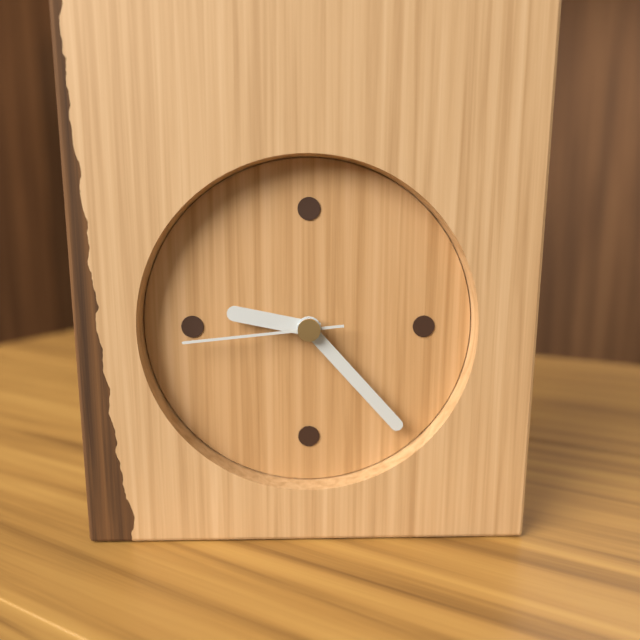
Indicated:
9 h 23 min 44 s
